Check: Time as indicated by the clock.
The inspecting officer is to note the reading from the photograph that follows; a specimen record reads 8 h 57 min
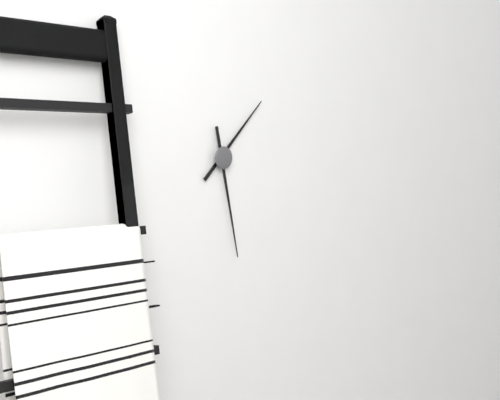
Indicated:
1 h 28 min
